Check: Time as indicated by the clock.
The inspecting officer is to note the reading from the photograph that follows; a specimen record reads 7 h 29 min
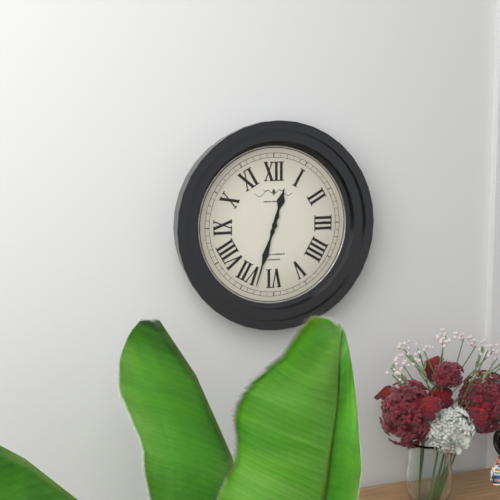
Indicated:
12 h 33 min
